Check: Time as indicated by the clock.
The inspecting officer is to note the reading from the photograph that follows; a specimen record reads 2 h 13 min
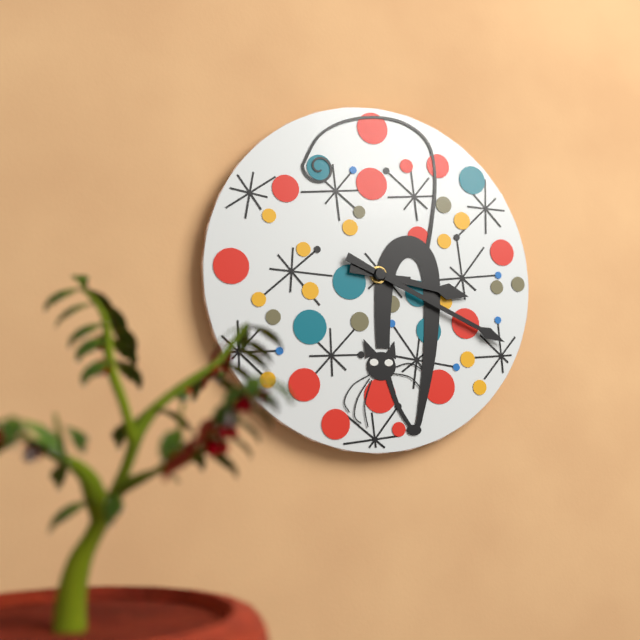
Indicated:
3 h 19 min
